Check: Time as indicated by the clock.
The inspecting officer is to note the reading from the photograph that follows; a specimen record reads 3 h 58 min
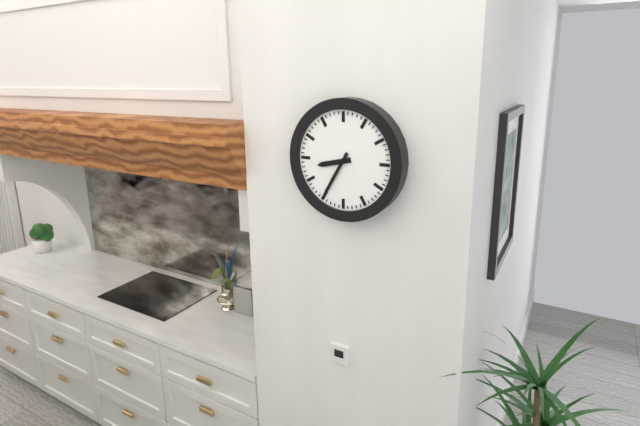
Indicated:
8 h 35 min
